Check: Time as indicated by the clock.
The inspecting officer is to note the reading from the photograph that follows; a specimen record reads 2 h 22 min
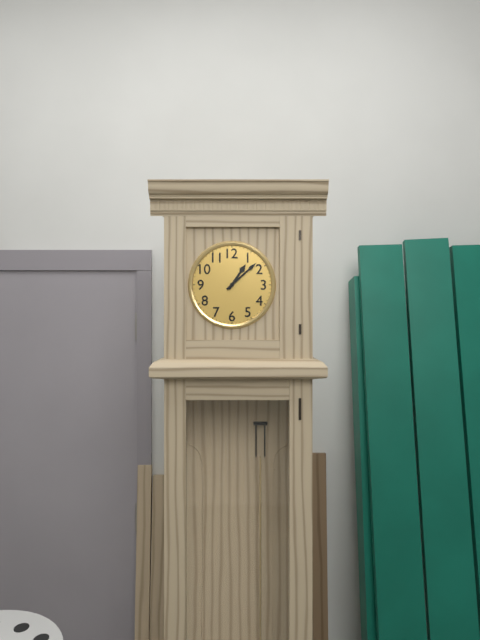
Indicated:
1 h 08 min
